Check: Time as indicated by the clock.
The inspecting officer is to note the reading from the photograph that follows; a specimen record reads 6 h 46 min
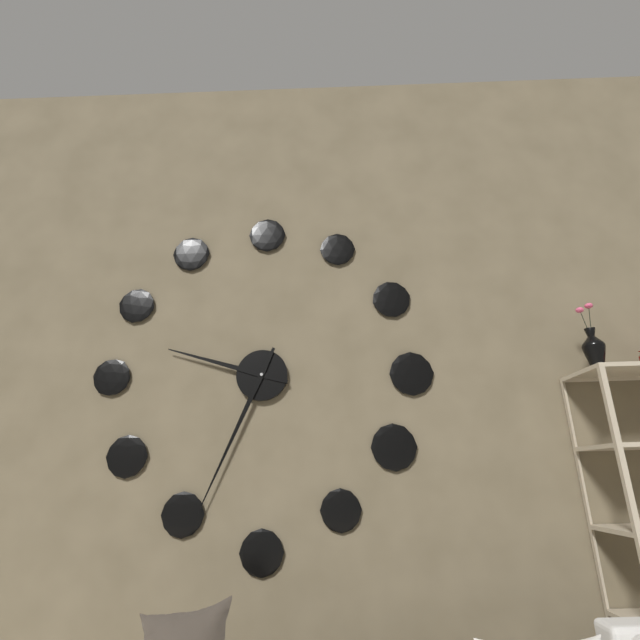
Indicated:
9 h 34 min
